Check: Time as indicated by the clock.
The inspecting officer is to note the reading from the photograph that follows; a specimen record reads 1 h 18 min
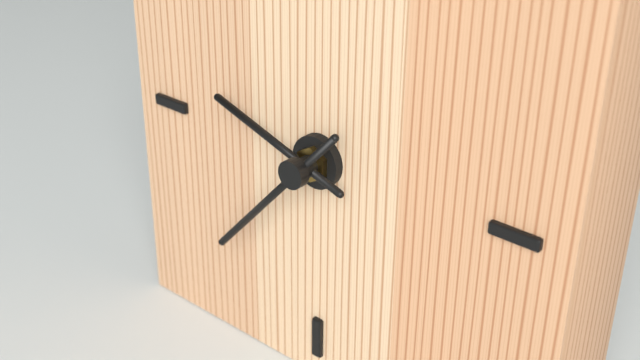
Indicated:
9 h 37 min
